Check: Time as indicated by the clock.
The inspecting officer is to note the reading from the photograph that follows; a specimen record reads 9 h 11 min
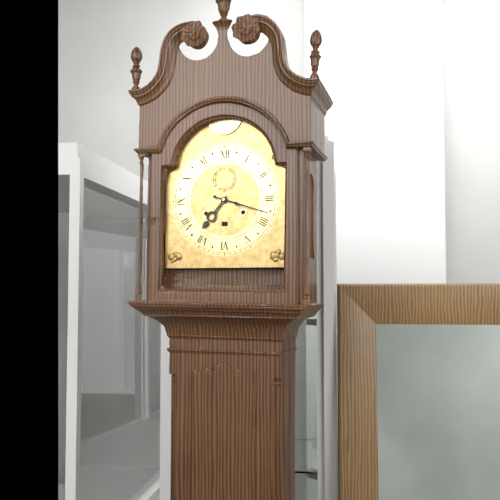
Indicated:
7 h 18 min
